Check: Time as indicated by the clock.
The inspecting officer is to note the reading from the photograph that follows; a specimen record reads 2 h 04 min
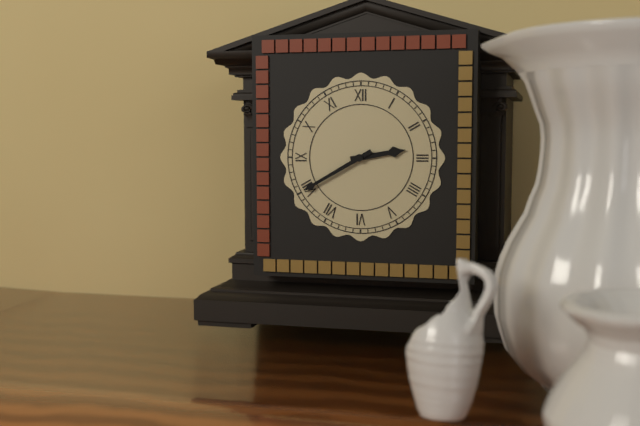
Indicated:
2 h 40 min
